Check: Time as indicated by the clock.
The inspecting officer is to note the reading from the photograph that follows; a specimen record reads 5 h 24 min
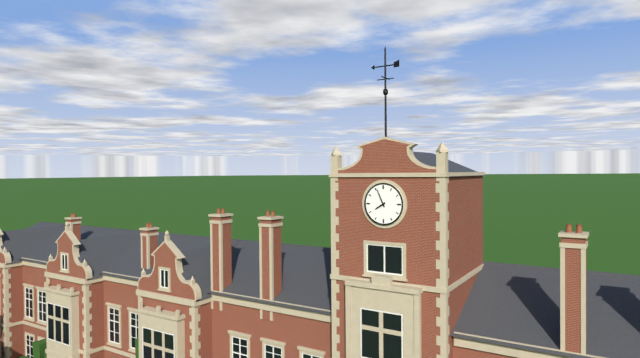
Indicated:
7 h 56 min
